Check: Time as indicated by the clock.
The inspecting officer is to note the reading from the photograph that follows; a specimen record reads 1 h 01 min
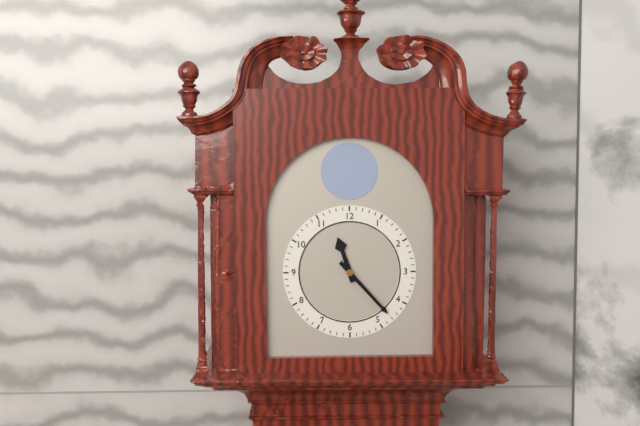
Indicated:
11 h 23 min
